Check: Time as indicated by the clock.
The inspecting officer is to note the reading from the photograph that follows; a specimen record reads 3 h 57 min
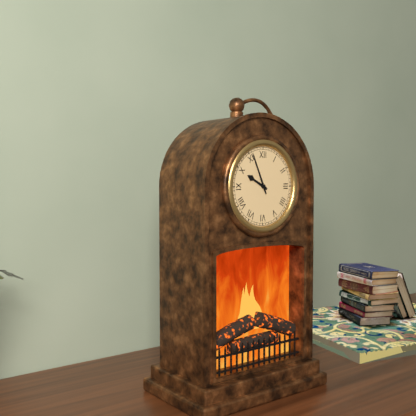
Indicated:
9 h 56 min
